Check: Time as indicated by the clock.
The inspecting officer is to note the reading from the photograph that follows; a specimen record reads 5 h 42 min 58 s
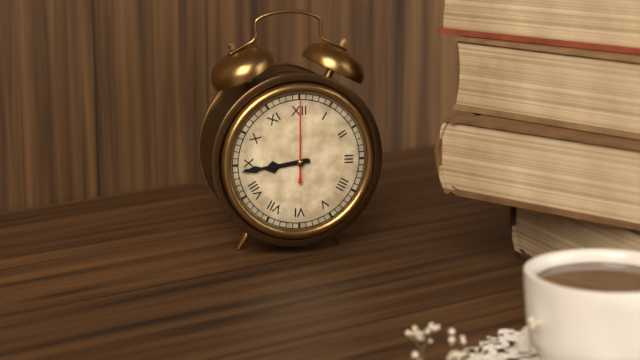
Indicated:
8 h 44 min 00 s
